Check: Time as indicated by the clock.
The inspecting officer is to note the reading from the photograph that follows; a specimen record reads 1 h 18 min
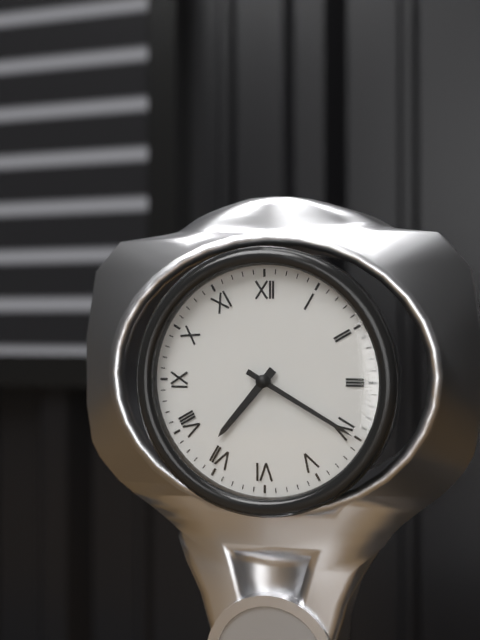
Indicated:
7 h 20 min
